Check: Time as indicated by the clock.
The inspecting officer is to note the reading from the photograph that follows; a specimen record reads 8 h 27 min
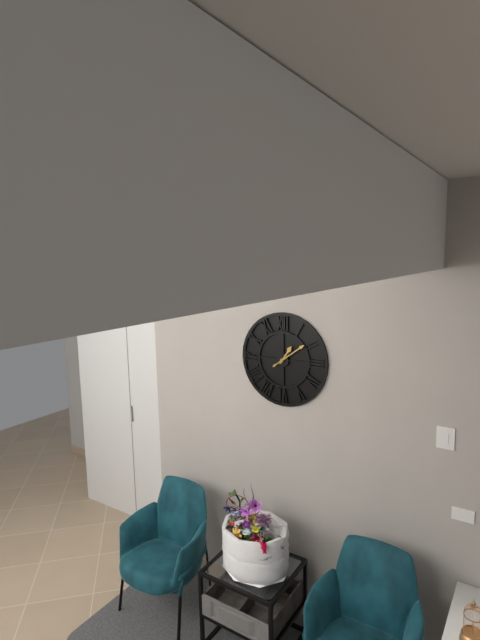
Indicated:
1 h 09 min
